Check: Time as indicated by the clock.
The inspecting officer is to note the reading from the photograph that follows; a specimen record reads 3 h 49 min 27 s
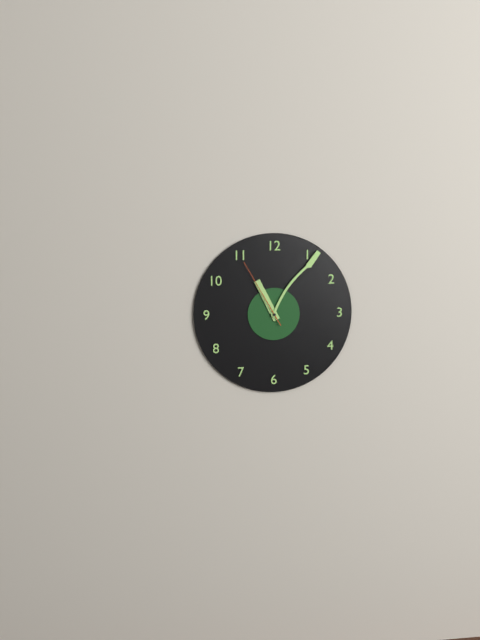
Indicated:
11 h 06 min 55 s
